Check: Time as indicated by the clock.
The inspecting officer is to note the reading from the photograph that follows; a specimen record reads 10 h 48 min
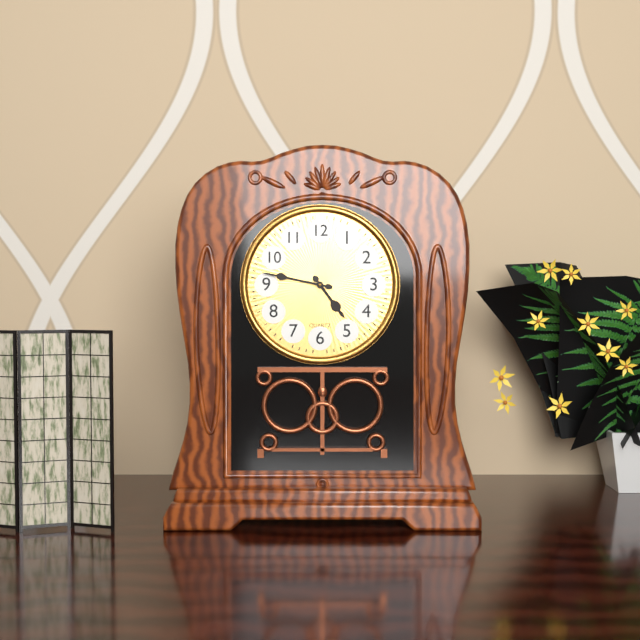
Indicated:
4 h 47 min
